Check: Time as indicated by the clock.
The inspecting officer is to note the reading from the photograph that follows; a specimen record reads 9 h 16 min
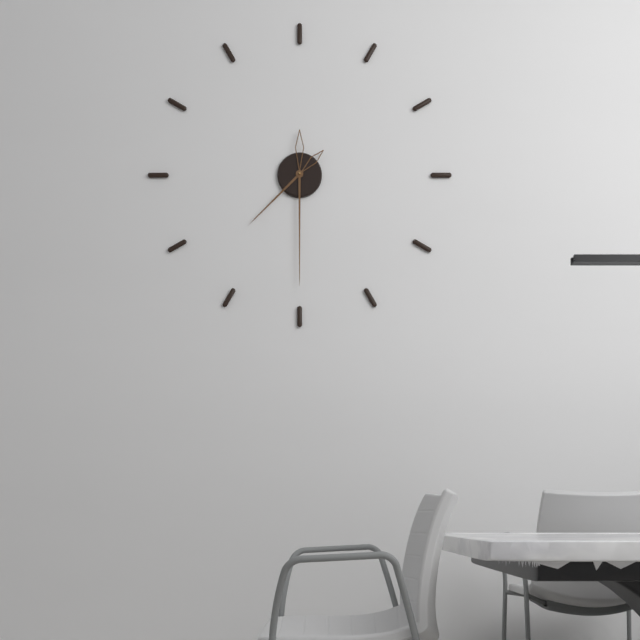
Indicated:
7 h 30 min
